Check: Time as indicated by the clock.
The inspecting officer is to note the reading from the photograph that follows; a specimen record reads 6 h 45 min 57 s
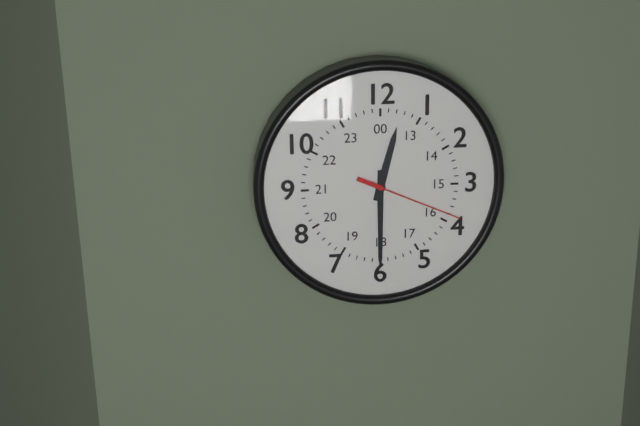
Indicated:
12 h 30 min 19 s
